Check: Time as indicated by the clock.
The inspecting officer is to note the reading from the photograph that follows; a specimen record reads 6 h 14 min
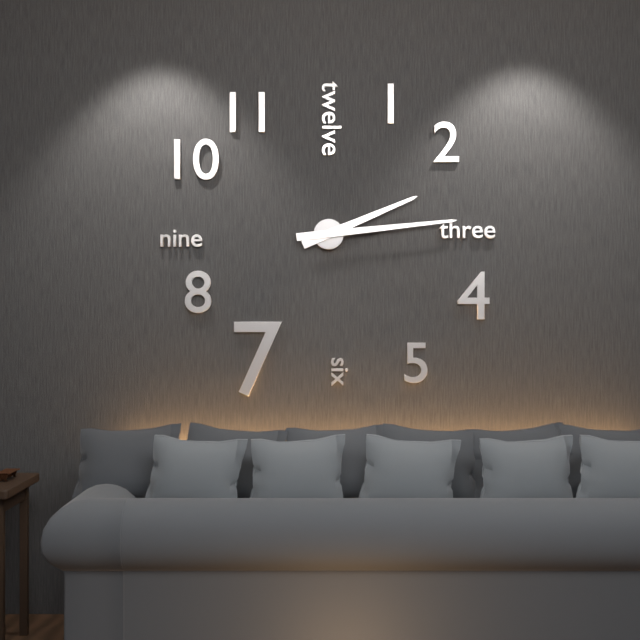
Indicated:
2 h 14 min
